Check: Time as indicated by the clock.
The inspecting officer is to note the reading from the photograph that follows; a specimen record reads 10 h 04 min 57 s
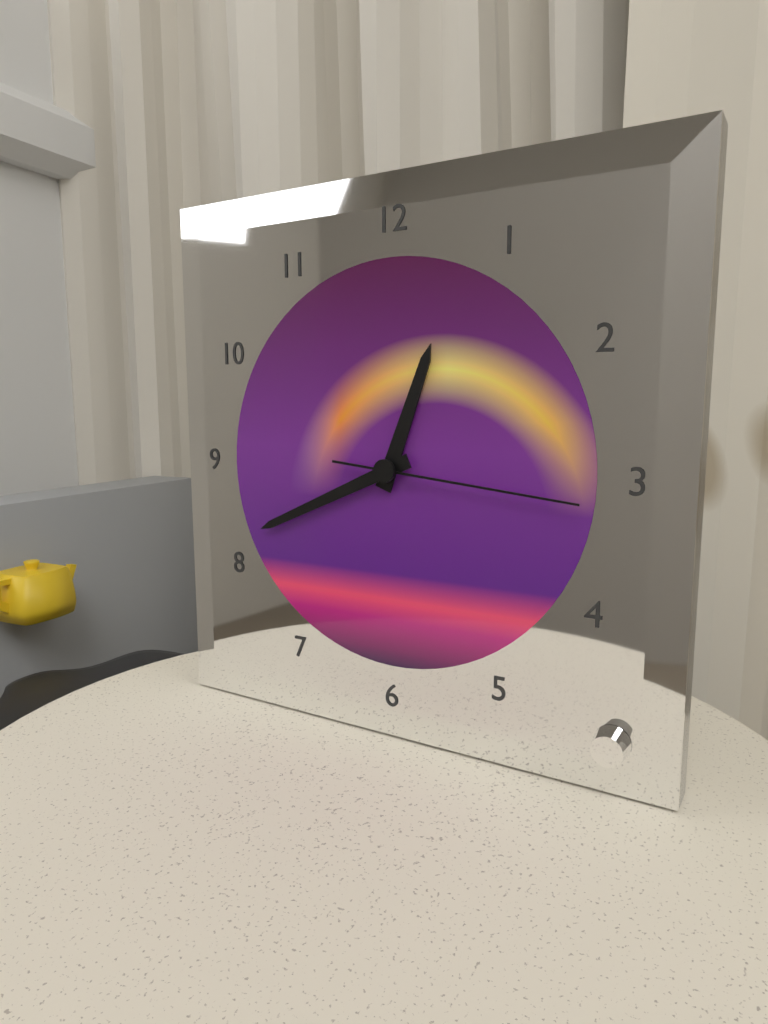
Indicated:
12 h 41 min 16 s
